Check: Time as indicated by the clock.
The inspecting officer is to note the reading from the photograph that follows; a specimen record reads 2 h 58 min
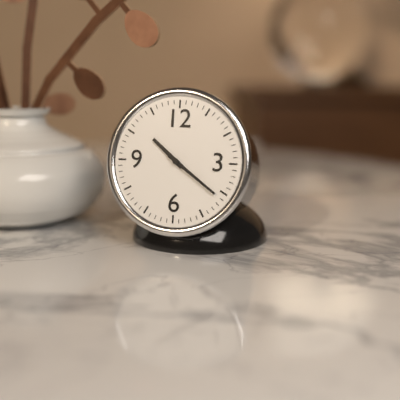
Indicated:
10 h 21 min
